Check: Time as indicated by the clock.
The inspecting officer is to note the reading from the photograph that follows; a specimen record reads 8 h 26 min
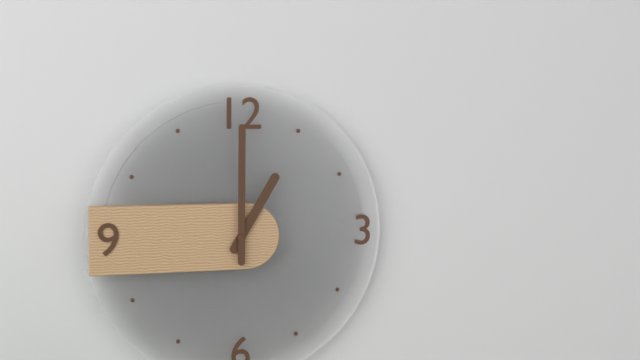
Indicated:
1 h 00 min
